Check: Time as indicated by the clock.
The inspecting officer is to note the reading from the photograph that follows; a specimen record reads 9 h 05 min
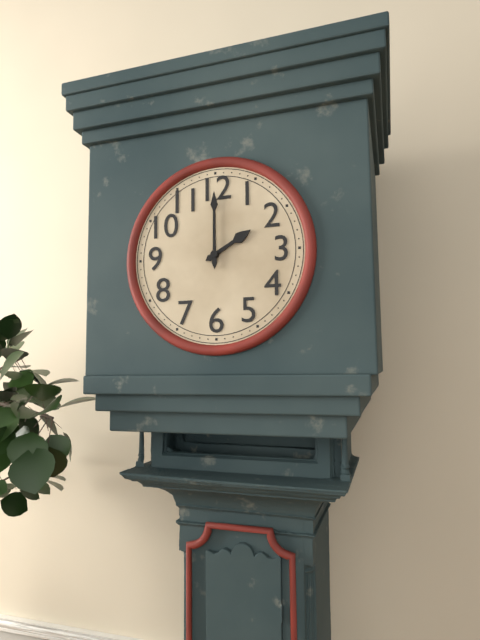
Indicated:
2 h 00 min
